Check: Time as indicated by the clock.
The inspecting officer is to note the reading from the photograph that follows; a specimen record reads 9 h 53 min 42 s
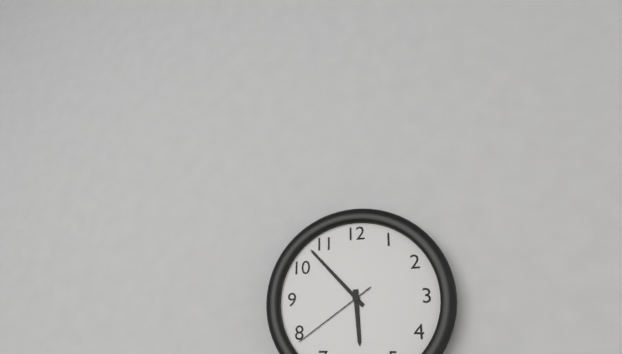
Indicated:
5 h 53 min 39 s
